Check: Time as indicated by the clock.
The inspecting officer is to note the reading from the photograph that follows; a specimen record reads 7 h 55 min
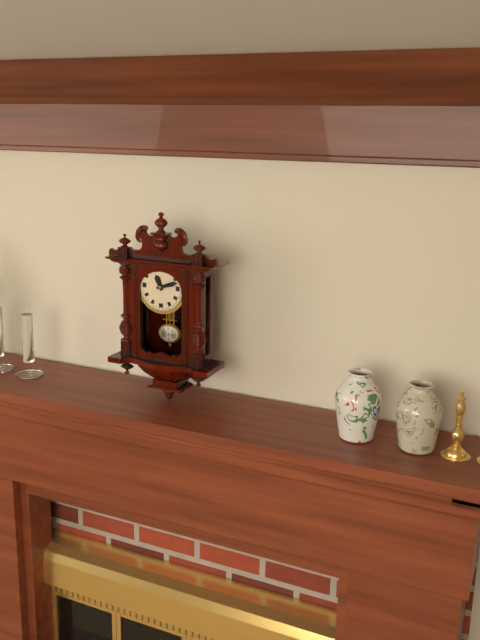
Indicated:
11 h 12 min
